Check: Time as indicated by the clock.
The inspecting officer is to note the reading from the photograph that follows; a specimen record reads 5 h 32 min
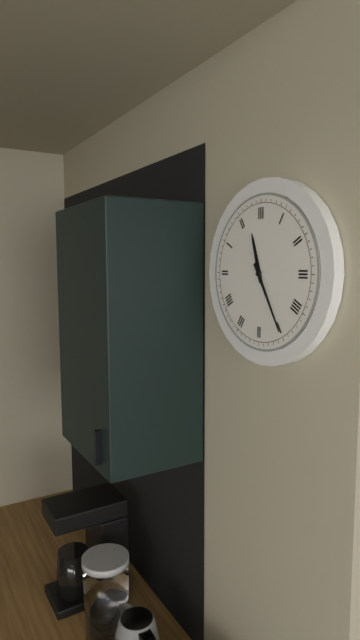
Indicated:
11 h 25 min
